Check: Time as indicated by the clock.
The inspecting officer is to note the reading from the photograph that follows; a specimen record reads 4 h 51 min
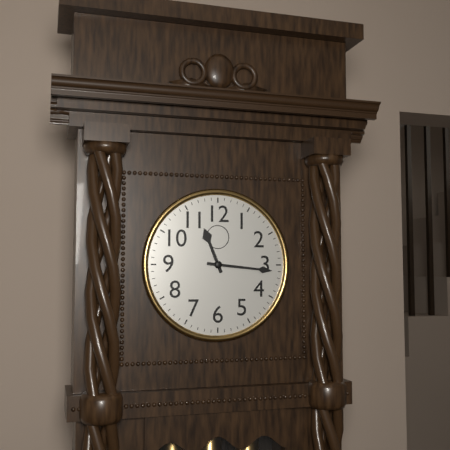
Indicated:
11 h 16 min
